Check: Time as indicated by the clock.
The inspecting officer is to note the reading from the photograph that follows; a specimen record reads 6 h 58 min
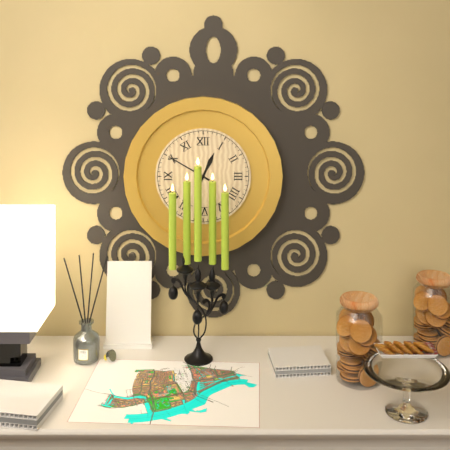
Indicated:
12 h 50 min
